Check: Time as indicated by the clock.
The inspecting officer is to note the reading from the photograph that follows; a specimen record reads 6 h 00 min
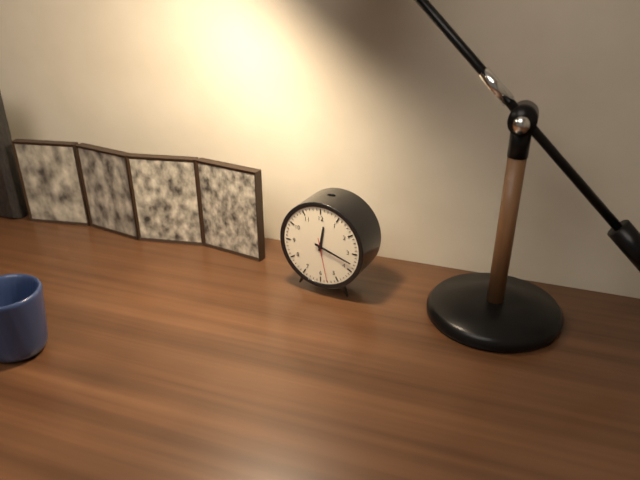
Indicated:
12 h 18 min
